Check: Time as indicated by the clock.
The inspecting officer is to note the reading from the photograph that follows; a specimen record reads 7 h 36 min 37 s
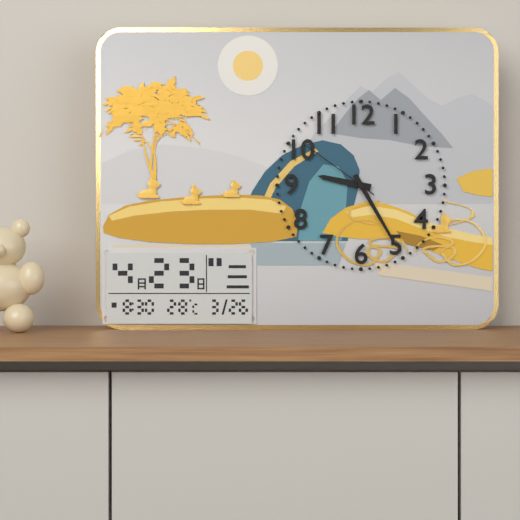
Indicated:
9 h 25 min 51 s
